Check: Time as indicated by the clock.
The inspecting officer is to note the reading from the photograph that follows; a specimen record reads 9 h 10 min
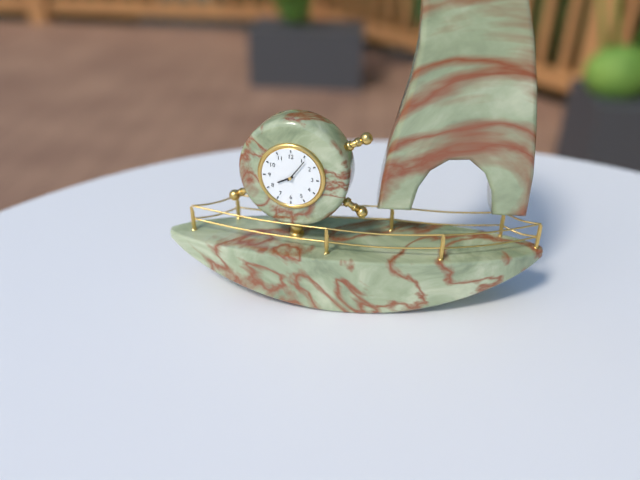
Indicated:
8 h 06 min
